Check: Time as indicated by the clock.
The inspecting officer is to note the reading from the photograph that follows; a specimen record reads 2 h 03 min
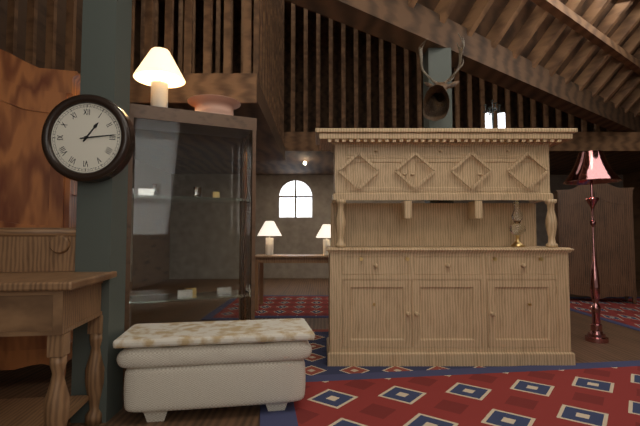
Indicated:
1 h 14 min
